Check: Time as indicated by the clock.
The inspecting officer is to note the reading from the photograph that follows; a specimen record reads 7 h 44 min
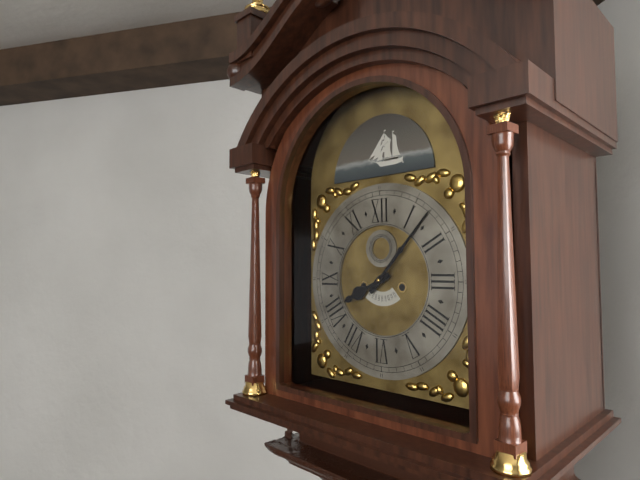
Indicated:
8 h 07 min
